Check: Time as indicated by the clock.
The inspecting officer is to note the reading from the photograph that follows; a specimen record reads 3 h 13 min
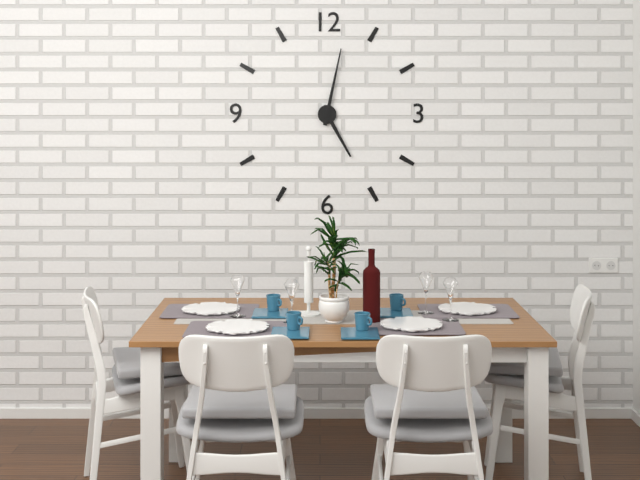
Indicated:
5 h 02 min
